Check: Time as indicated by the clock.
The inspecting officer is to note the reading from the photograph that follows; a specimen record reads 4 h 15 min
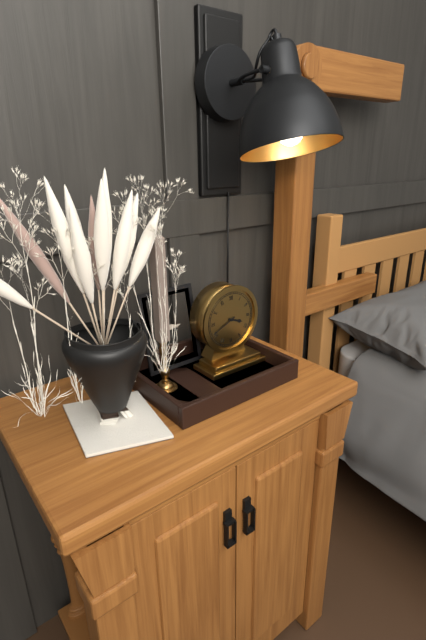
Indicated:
3 h 41 min
